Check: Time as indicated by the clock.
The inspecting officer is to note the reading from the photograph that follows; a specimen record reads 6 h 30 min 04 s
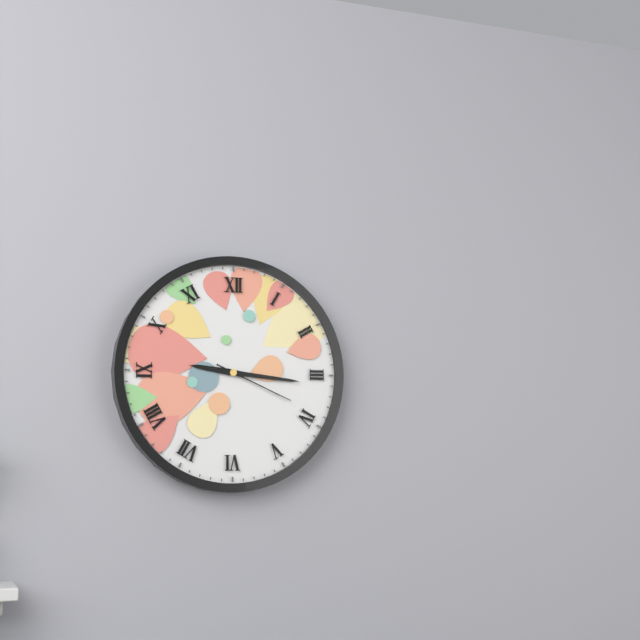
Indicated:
9 h 16 min 19 s
